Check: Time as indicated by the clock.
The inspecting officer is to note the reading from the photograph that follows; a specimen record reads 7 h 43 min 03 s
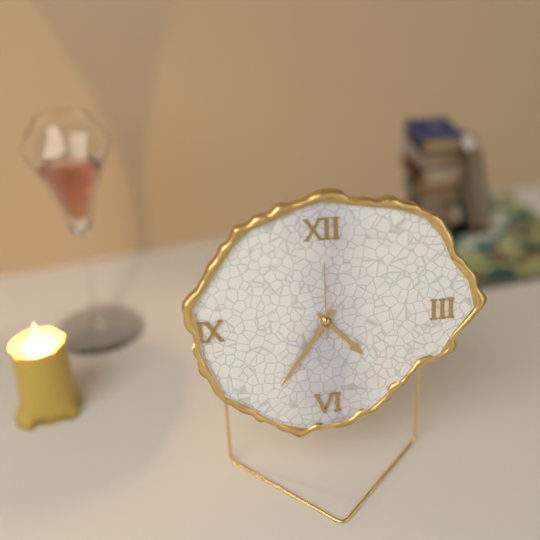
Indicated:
4 h 36 min 00 s
